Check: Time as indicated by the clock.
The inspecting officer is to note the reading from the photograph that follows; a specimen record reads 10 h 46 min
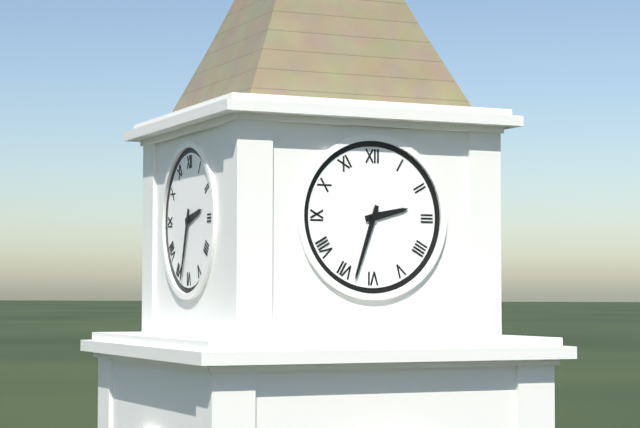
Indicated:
2 h 33 min
